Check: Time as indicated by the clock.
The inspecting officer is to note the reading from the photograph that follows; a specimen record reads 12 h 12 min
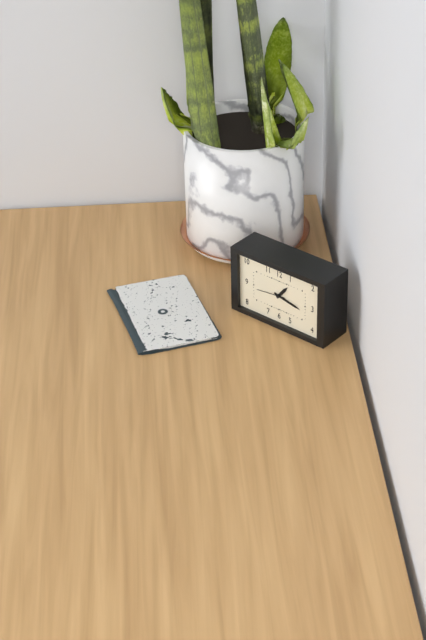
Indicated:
1 h 17 min
